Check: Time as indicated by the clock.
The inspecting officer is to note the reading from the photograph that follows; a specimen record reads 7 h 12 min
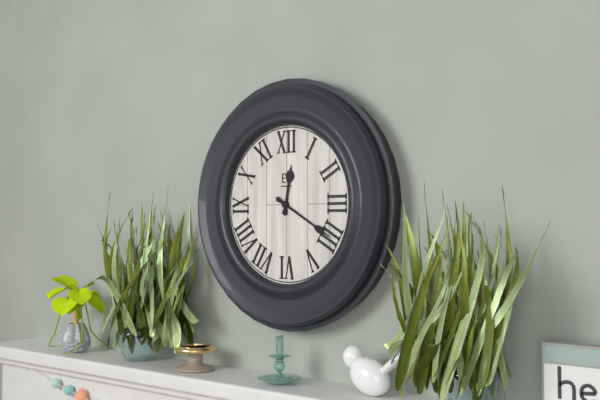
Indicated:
12 h 20 min
